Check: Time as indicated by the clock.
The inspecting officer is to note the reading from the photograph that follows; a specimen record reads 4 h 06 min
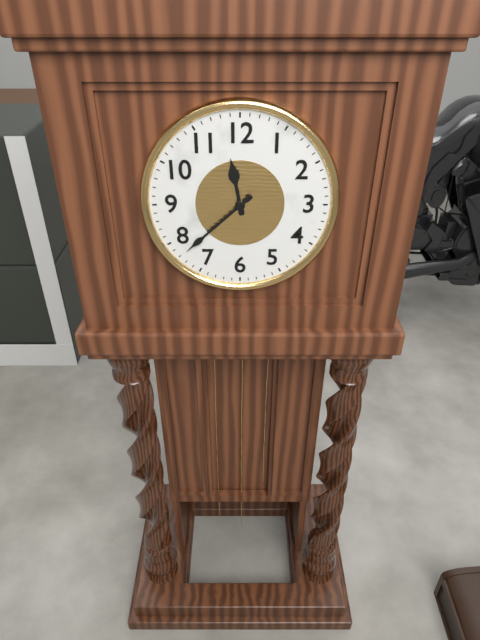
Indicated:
11 h 38 min
